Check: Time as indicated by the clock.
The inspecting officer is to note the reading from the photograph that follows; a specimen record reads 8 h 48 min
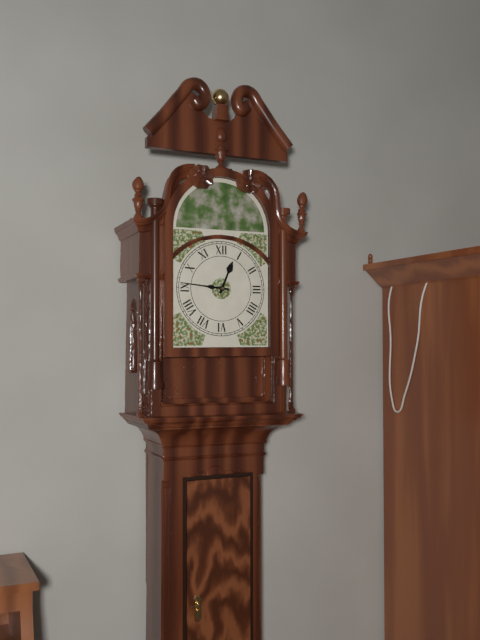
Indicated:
12 h 46 min
